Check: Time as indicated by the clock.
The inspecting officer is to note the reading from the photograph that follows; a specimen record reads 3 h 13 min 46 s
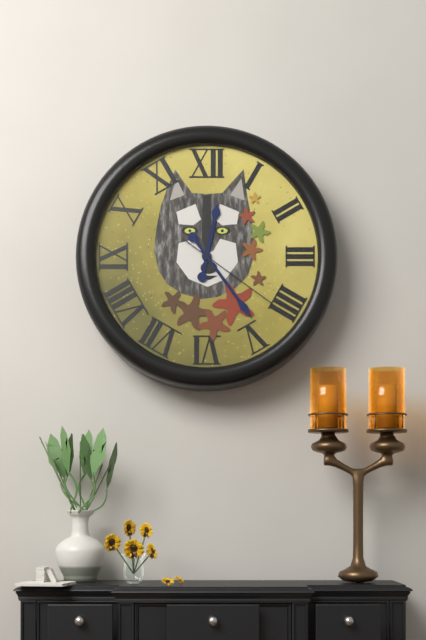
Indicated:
12 h 24 min 21 s
